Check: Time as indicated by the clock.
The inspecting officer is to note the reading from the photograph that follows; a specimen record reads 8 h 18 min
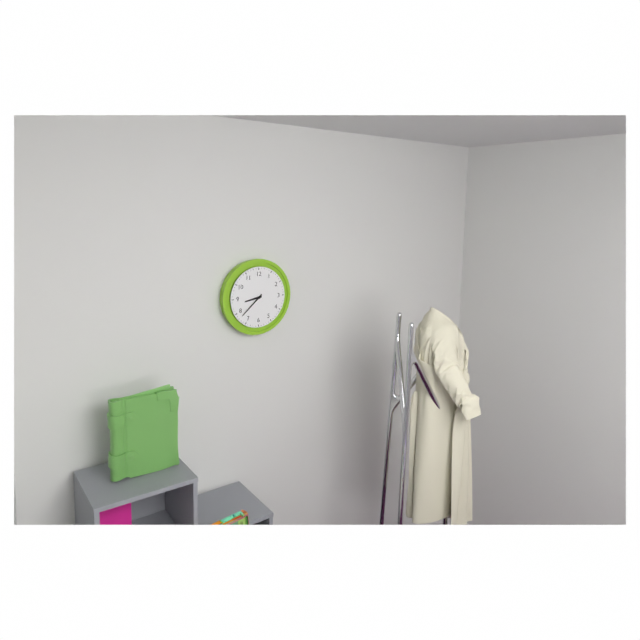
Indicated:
8 h 38 min
